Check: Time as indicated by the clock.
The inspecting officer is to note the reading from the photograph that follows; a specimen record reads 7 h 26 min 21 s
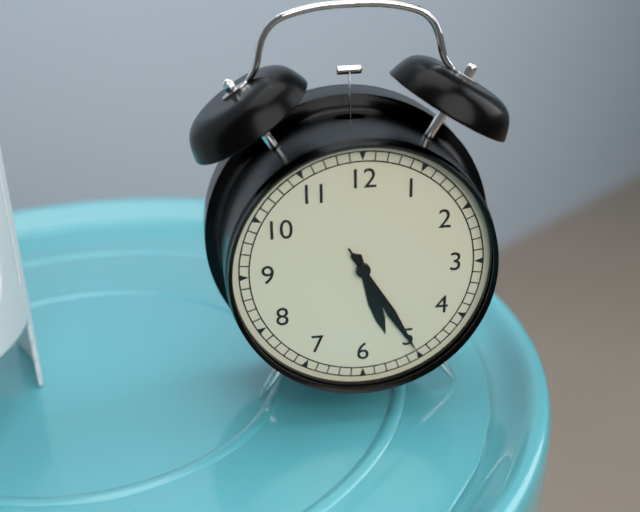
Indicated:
5 h 25 min 25 s
